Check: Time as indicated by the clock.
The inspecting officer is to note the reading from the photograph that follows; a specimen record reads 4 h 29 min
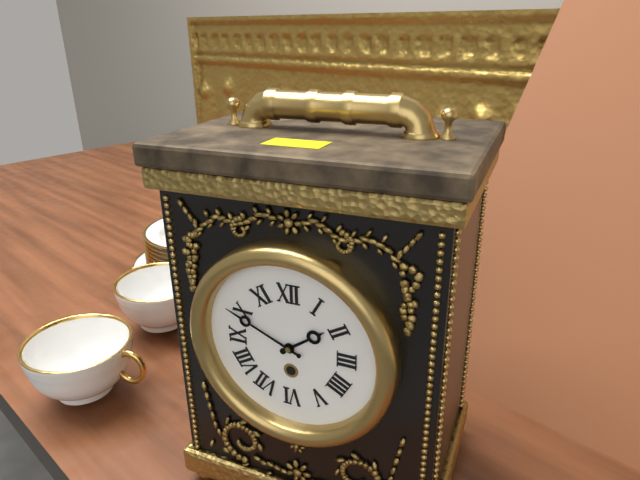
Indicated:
1 h 49 min
